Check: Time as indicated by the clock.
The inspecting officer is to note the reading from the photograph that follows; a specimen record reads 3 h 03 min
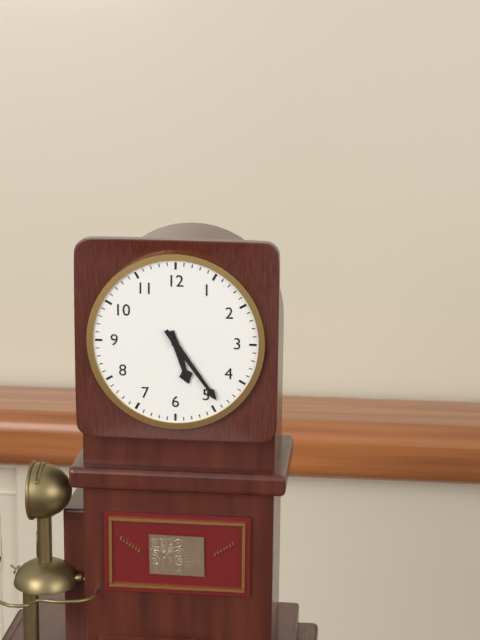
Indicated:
5 h 24 min
